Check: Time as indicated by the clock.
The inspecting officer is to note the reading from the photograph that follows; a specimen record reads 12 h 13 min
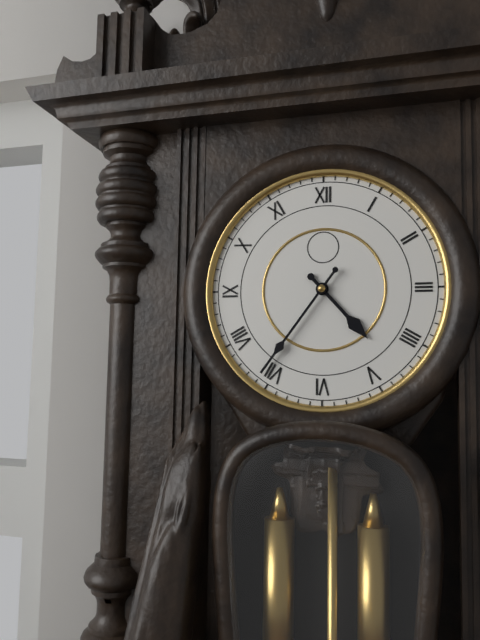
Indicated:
4 h 36 min
